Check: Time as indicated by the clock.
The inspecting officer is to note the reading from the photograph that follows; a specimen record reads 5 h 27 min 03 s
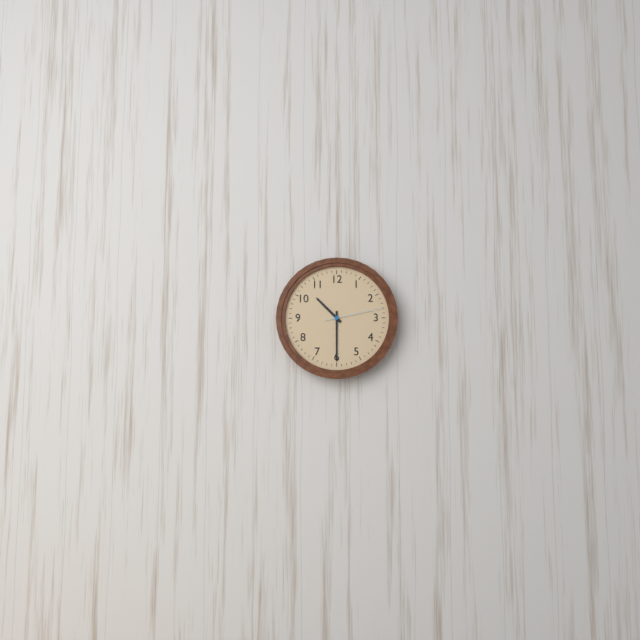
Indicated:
10 h 30 min 13 s
